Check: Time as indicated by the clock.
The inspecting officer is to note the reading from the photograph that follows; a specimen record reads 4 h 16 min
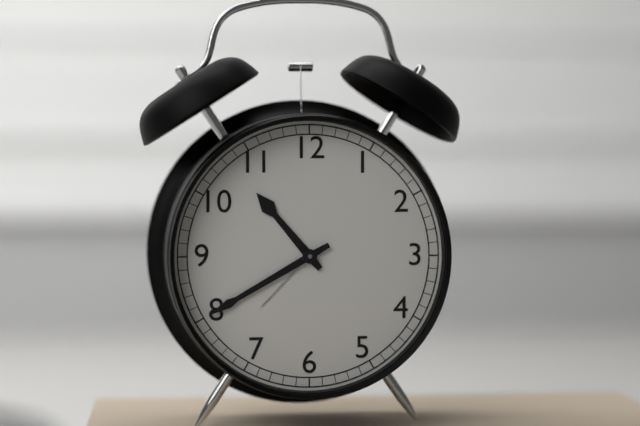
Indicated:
10 h 40 min
